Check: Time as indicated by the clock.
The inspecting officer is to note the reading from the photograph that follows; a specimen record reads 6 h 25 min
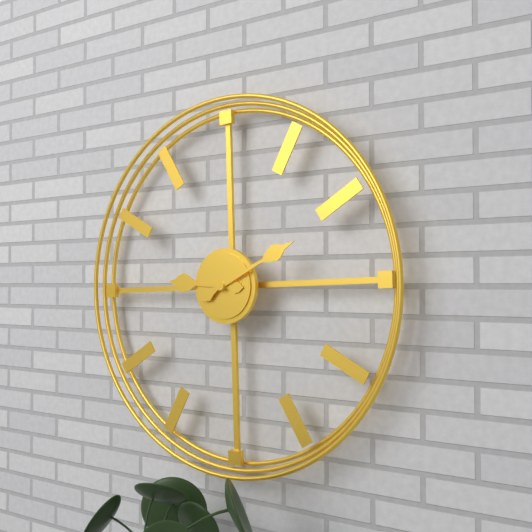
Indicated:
9 h 11 min
